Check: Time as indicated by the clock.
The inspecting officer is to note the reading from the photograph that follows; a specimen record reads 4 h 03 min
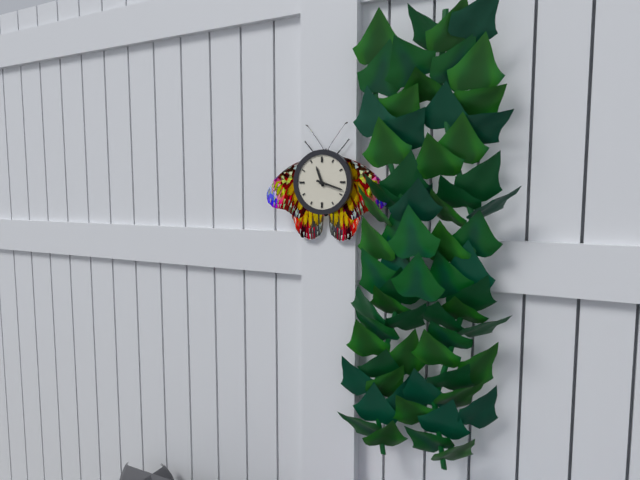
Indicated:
11 h 18 min
